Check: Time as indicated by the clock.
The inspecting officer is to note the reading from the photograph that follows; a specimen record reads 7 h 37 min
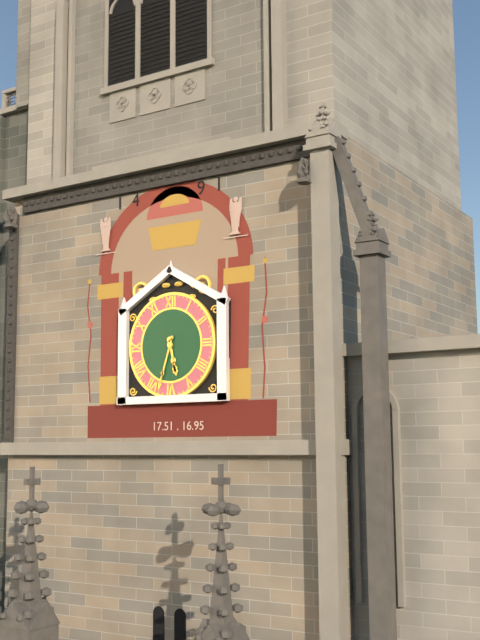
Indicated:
5 h 33 min
